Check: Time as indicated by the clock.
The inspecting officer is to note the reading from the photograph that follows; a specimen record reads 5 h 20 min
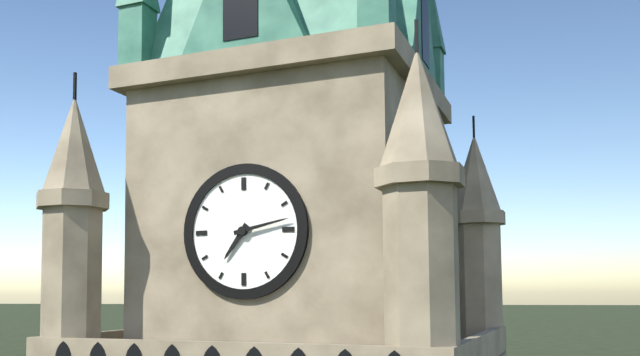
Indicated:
7 h 13 min
